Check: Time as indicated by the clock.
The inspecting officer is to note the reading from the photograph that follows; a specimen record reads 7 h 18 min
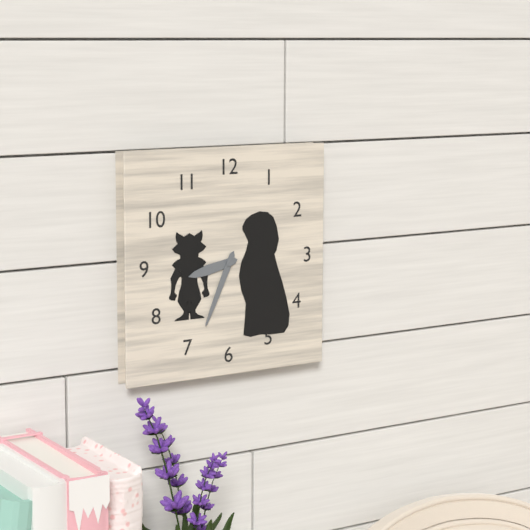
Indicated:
8 h 34 min
